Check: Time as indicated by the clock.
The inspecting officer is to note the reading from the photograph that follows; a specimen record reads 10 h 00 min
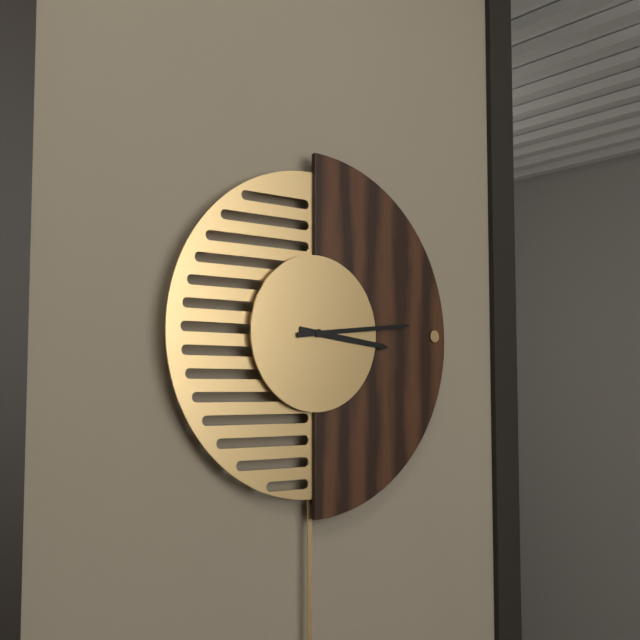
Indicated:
3 h 14 min
